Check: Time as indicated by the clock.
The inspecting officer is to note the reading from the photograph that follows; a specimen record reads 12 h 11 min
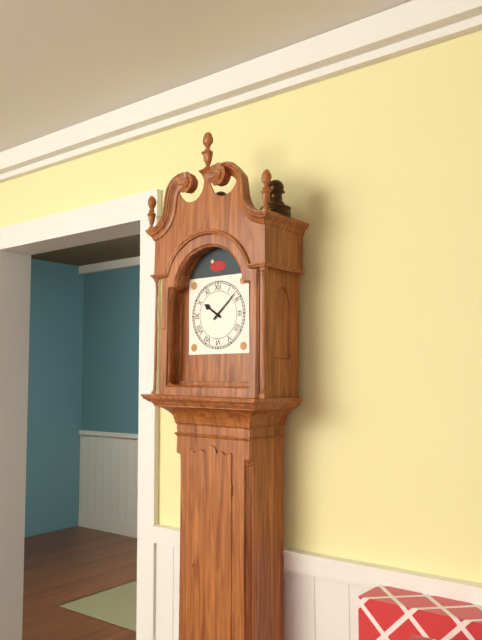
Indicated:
10 h 08 min
